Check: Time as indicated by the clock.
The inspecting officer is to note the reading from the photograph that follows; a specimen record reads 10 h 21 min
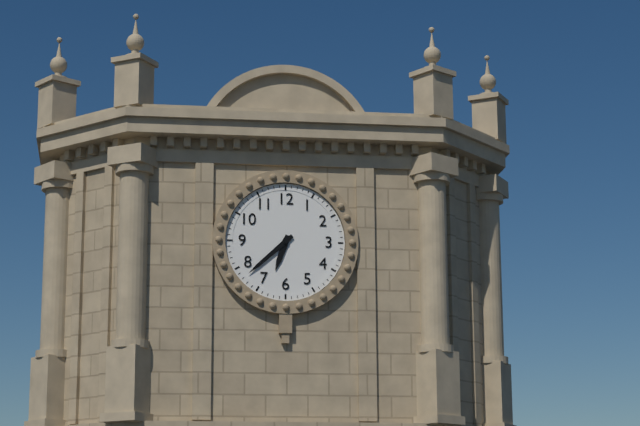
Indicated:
6 h 38 min
